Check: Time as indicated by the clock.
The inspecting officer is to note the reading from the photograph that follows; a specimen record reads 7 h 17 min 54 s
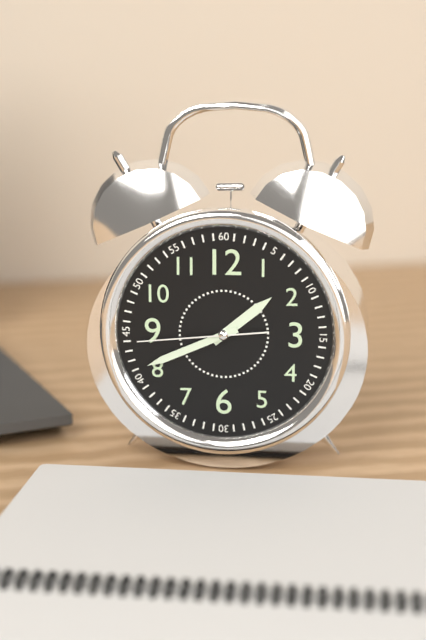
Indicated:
1 h 41 min 44 s
